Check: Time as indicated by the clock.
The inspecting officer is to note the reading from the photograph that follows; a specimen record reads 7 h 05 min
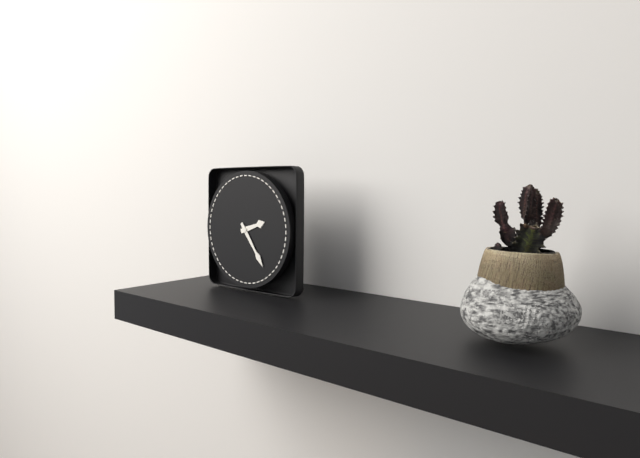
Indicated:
2 h 24 min
